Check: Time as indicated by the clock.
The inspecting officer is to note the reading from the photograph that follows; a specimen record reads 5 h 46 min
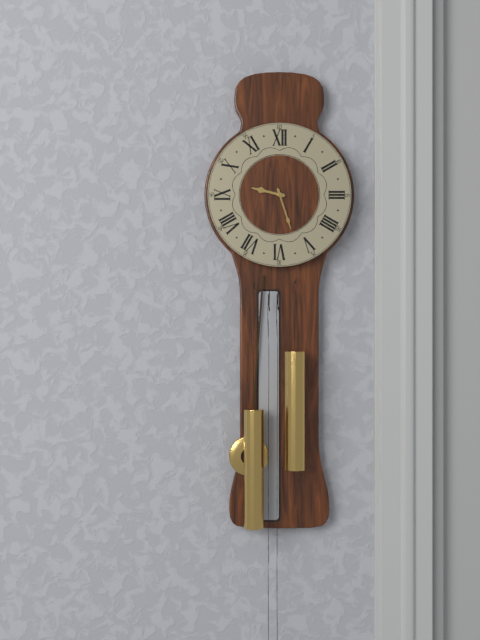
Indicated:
9 h 27 min
